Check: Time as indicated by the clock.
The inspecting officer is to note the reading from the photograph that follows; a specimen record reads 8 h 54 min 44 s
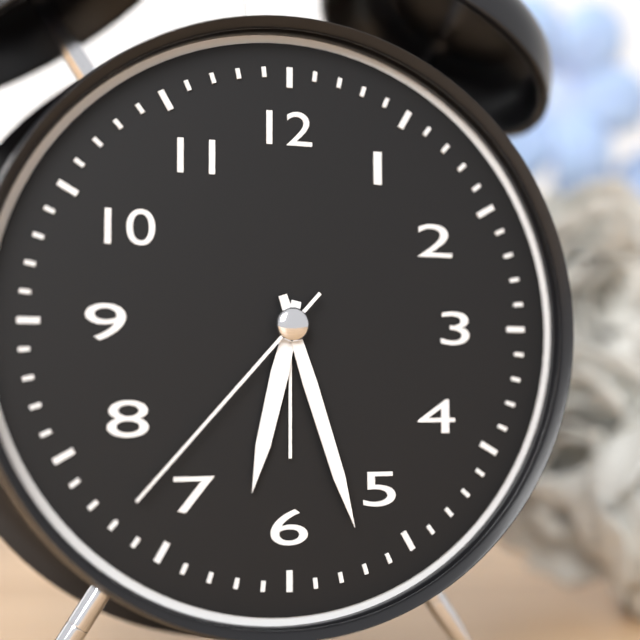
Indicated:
6 h 27 min 37 s
